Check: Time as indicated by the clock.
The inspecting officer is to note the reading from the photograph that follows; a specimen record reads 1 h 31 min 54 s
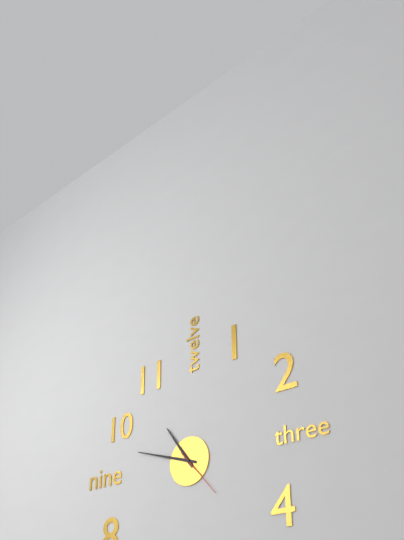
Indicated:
10 h 48 min 23 s
